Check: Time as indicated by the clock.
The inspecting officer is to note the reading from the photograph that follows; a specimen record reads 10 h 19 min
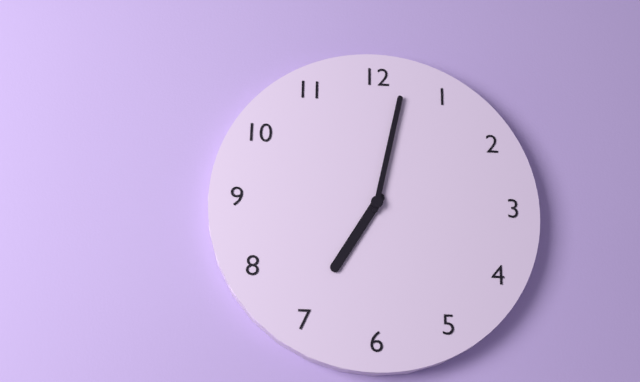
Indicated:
7 h 02 min
